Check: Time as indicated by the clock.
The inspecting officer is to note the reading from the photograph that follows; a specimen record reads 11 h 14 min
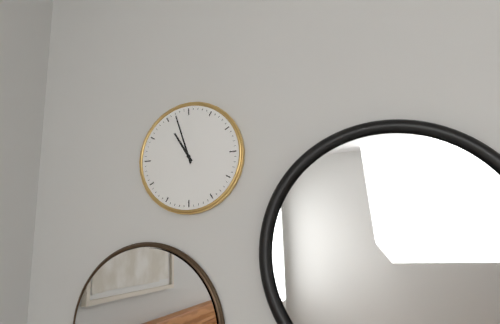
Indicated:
10 h 57 min
